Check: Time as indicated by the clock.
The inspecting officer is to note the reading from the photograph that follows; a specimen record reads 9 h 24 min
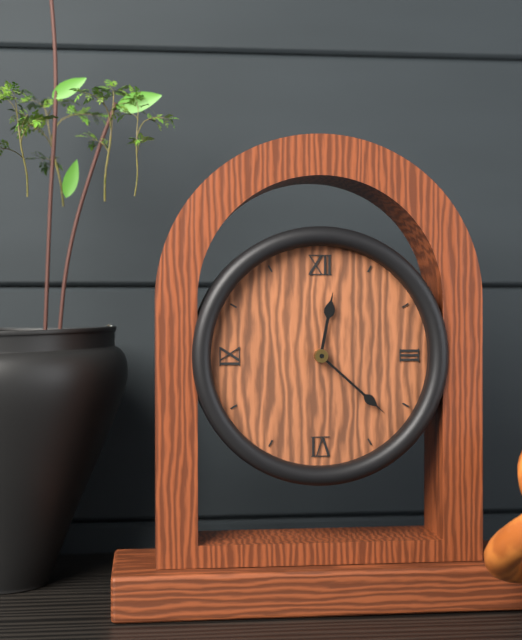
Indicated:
12 h 22 min
